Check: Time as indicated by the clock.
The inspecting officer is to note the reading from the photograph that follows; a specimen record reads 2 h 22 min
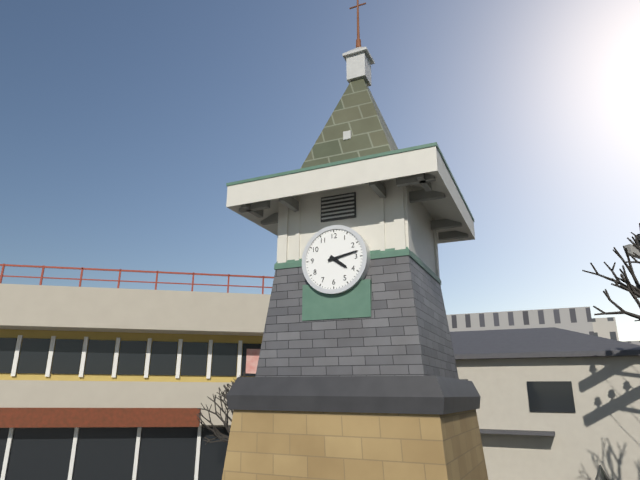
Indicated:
4 h 13 min
